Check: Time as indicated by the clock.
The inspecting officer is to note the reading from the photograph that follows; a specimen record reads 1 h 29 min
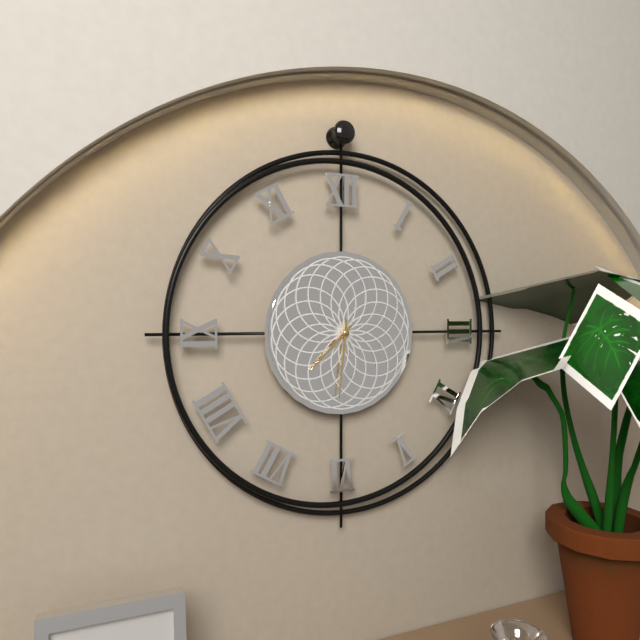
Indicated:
7 h 31 min
